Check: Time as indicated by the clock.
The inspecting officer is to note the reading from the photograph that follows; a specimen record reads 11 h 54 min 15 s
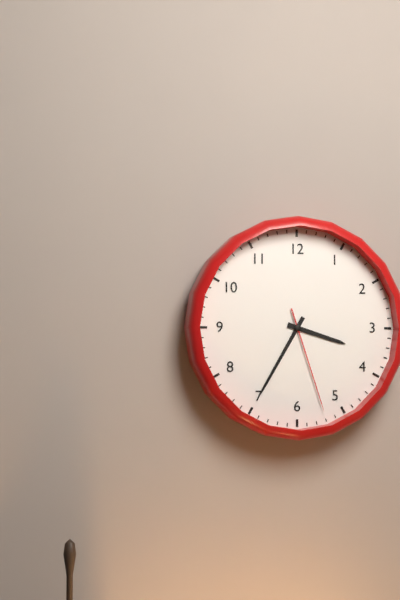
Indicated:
3 h 35 min 27 s
